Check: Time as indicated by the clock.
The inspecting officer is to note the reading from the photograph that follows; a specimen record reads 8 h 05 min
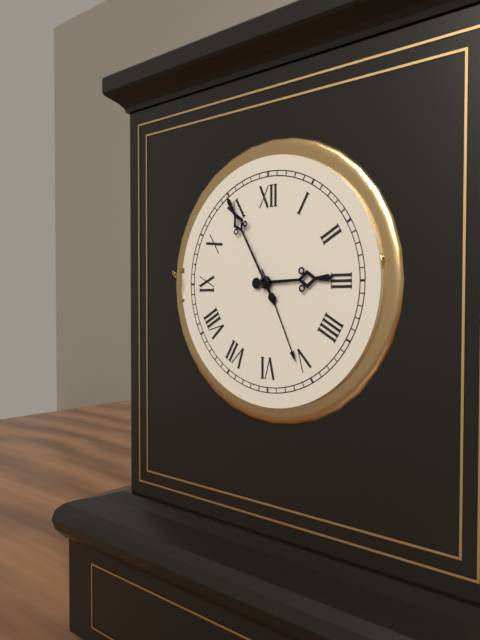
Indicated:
2 h 55 min
